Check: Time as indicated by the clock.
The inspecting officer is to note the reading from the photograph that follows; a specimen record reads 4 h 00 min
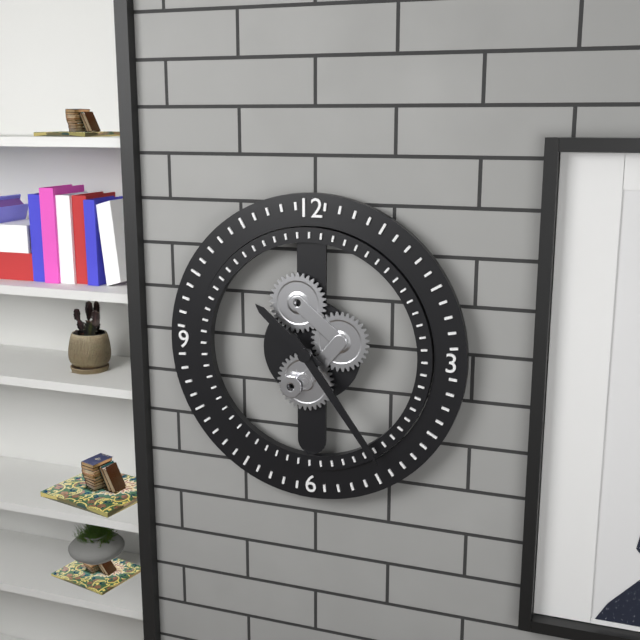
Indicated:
10 h 24 min
